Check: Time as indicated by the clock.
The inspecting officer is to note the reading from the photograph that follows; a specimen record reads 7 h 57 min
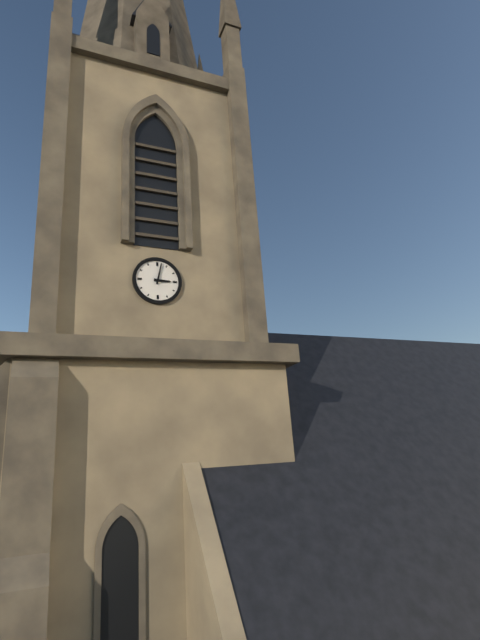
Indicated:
3 h 02 min
